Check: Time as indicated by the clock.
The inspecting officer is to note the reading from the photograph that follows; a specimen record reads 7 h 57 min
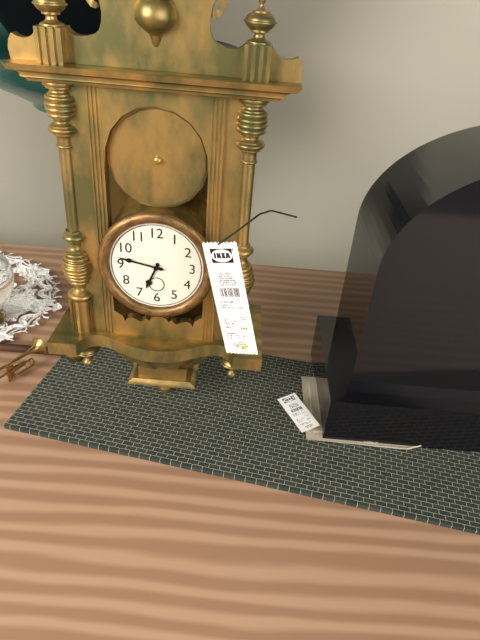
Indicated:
6 h 47 min
